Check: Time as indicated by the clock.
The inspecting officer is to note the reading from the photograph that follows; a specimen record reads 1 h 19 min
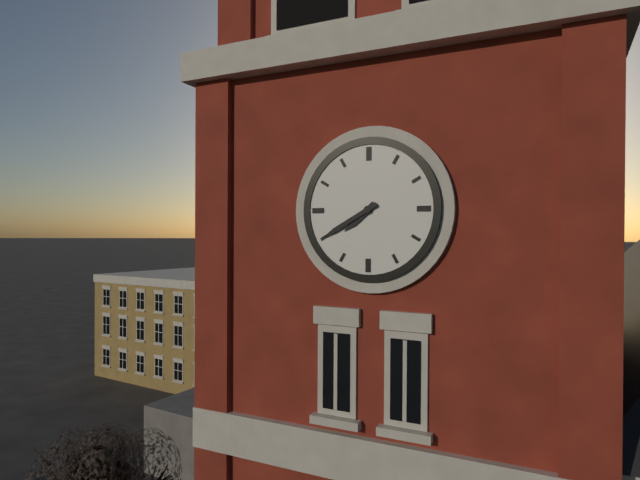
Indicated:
7 h 40 min
